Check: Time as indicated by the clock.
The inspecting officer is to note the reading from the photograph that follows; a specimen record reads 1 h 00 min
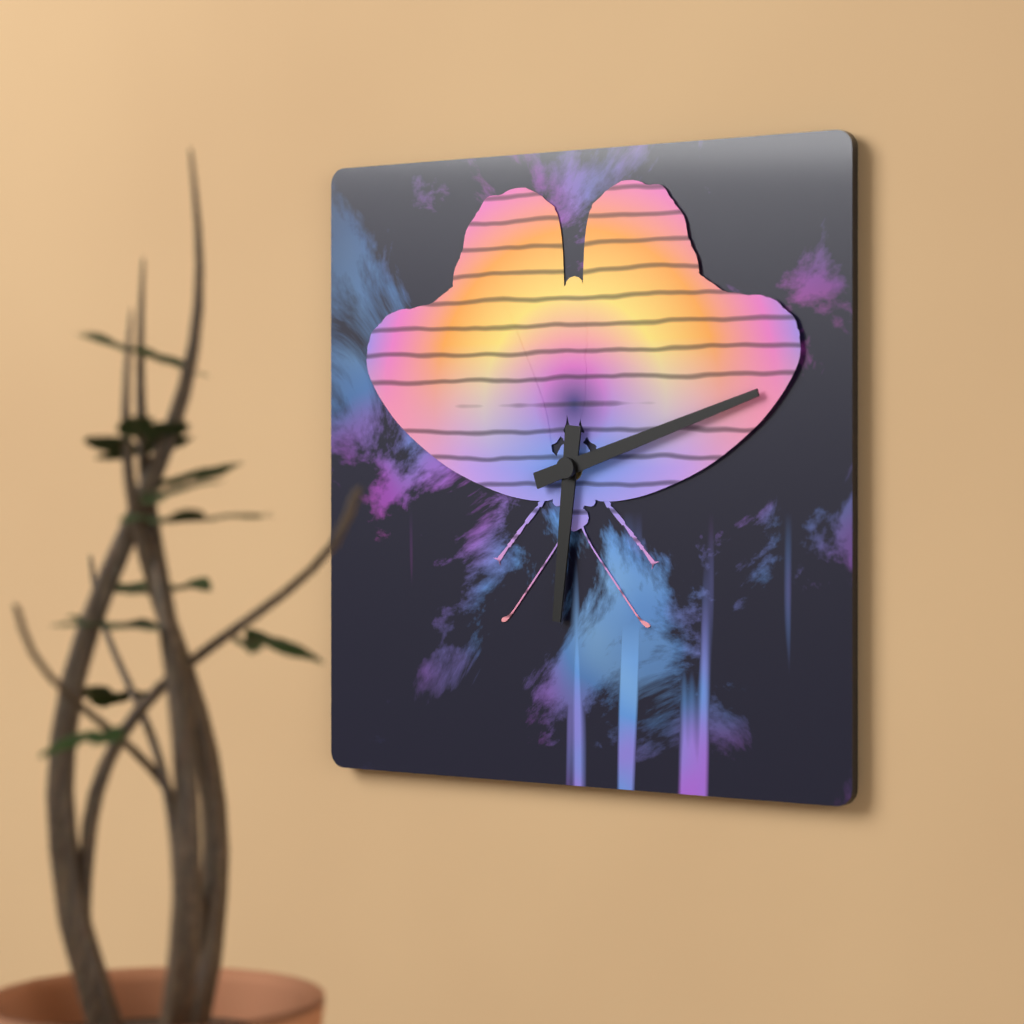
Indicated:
6 h 12 min
